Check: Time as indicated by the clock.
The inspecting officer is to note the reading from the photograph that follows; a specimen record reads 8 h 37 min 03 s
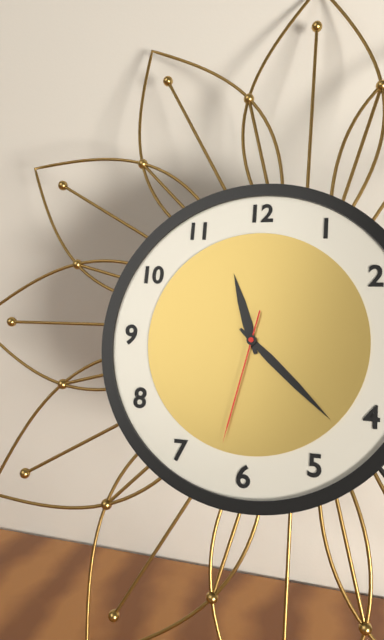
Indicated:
11 h 22 min 32 s
